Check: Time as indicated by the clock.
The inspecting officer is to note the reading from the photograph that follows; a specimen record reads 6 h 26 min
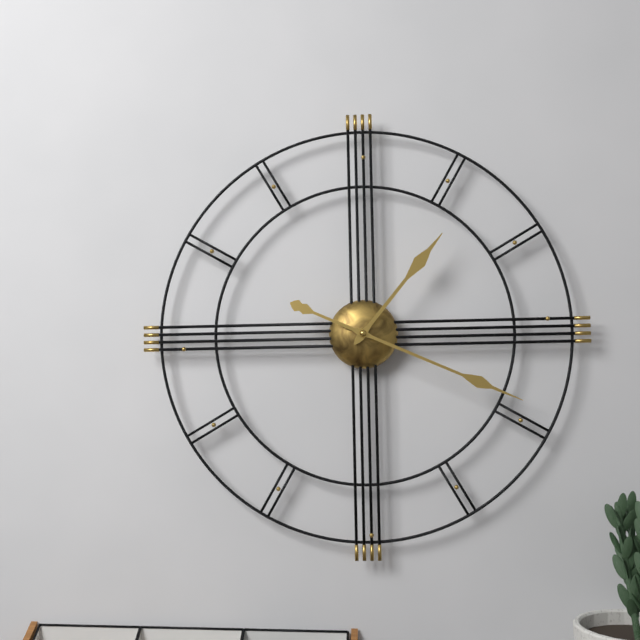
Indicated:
1 h 19 min
